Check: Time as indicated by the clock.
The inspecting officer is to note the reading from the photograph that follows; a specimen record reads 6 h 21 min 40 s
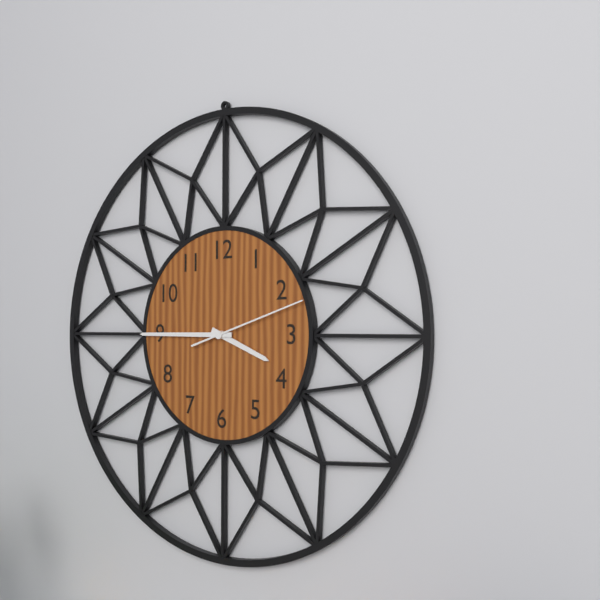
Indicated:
3 h 45 min 12 s
